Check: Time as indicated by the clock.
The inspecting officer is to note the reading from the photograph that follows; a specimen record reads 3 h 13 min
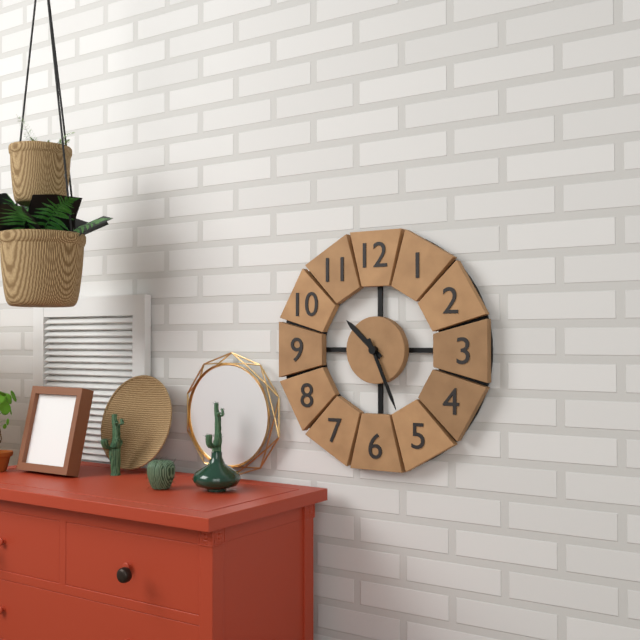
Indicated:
10 h 26 min
